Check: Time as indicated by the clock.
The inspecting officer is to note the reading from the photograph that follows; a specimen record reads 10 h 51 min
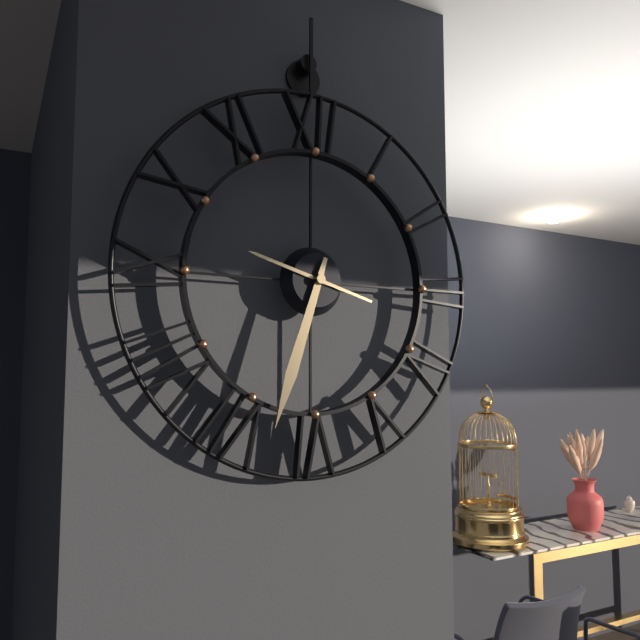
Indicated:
9 h 33 min
